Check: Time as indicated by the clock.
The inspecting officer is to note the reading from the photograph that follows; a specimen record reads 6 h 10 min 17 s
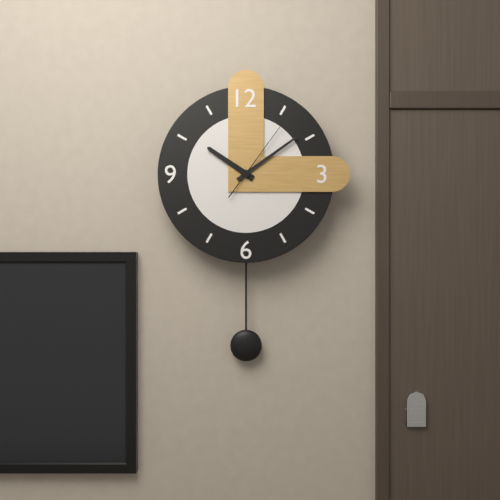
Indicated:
10 h 09 min 06 s
